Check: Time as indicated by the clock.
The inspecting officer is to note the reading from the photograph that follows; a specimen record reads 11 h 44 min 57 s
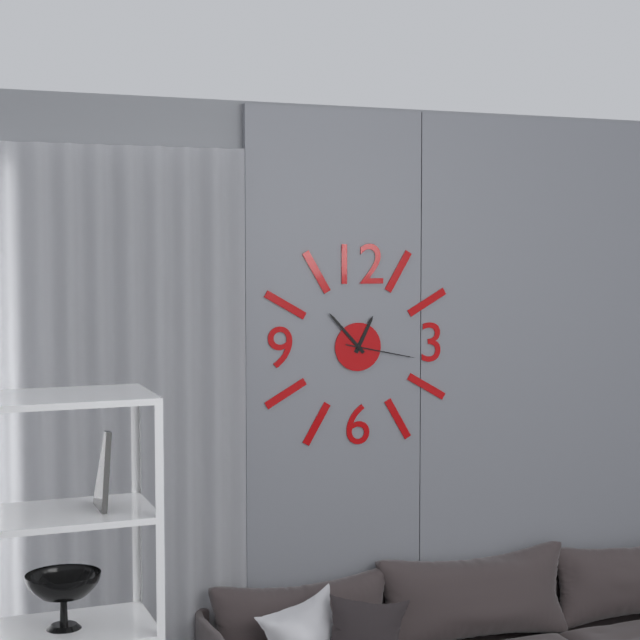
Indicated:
12 h 53 min 17 s
